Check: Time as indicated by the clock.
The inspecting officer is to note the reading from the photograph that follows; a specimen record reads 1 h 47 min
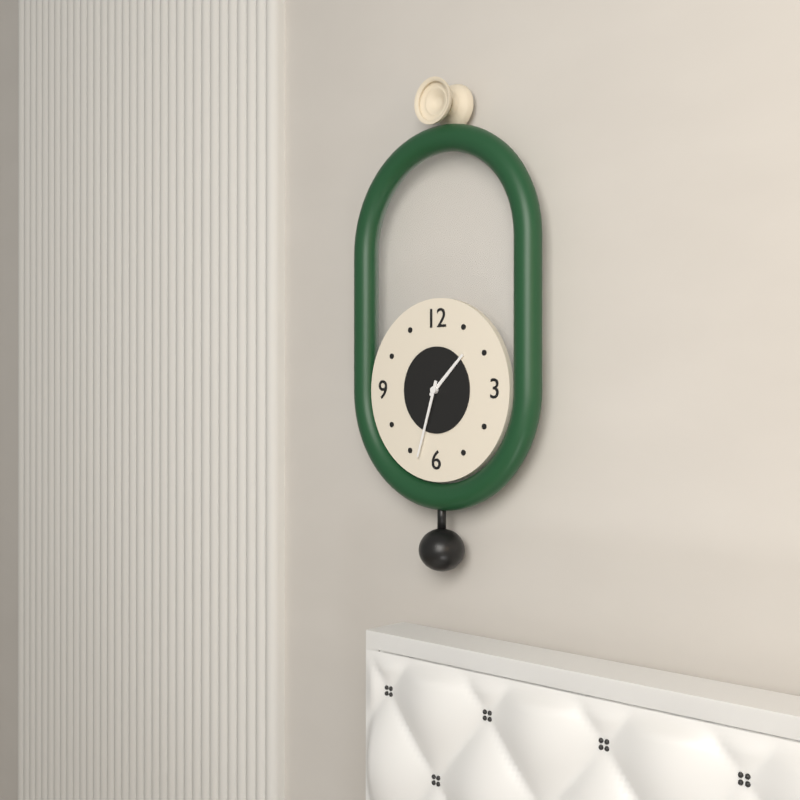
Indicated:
1 h 33 min
